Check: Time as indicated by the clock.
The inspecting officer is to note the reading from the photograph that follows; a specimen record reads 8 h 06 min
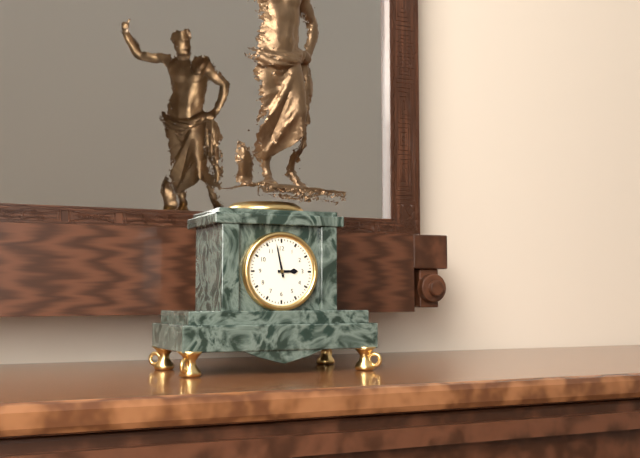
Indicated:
2 h 58 min
